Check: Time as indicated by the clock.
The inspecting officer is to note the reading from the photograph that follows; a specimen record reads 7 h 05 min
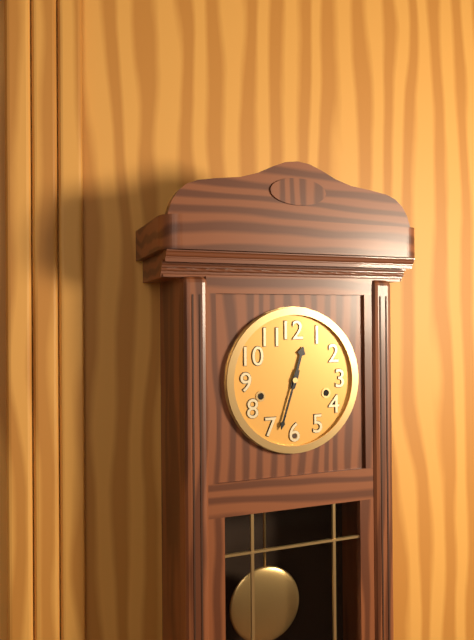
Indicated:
12 h 33 min
